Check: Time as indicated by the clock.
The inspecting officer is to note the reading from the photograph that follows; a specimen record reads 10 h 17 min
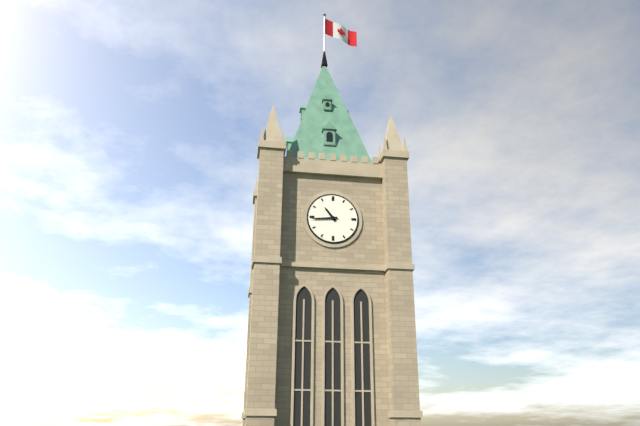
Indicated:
10 h 44 min
